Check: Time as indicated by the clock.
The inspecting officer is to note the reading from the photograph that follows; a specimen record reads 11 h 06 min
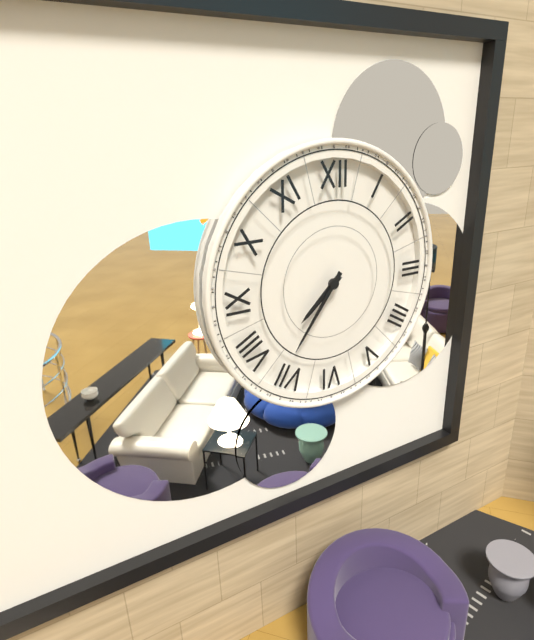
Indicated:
7 h 36 min
